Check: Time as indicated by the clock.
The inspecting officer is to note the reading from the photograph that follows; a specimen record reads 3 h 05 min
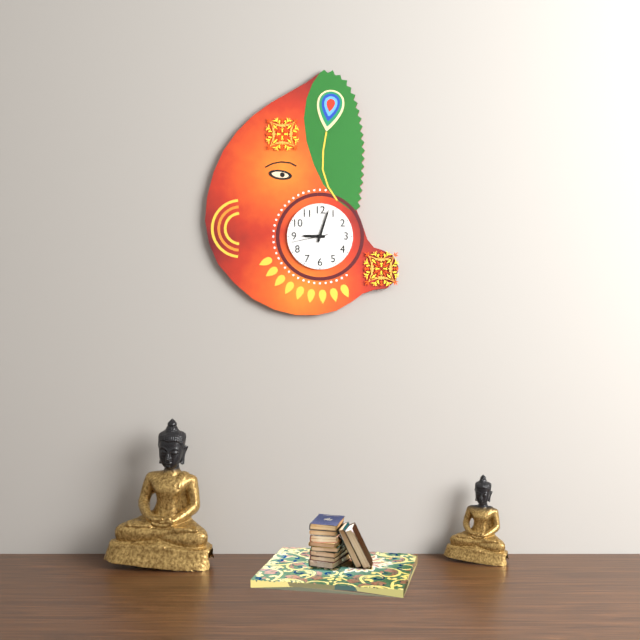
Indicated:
9 h 03 min
